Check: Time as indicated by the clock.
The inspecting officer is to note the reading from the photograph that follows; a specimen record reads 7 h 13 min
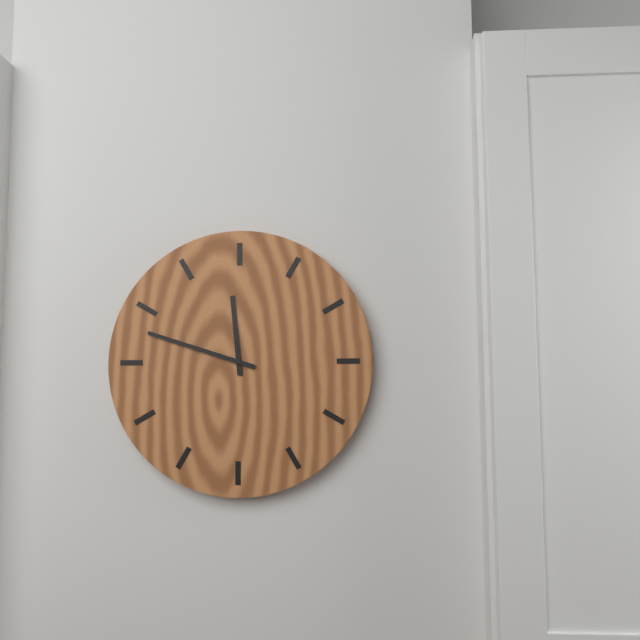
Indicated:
11 h 48 min
